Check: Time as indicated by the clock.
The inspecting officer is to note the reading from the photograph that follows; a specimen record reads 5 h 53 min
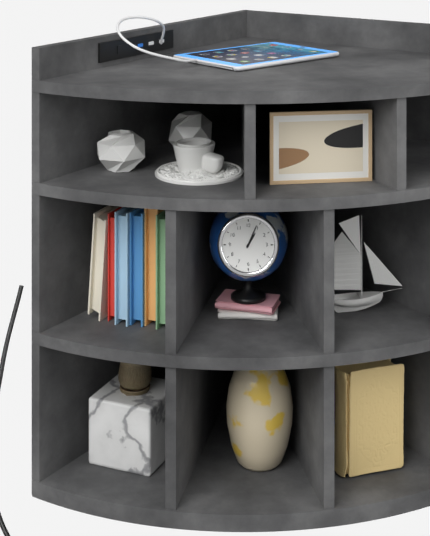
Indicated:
1 h 04 min
